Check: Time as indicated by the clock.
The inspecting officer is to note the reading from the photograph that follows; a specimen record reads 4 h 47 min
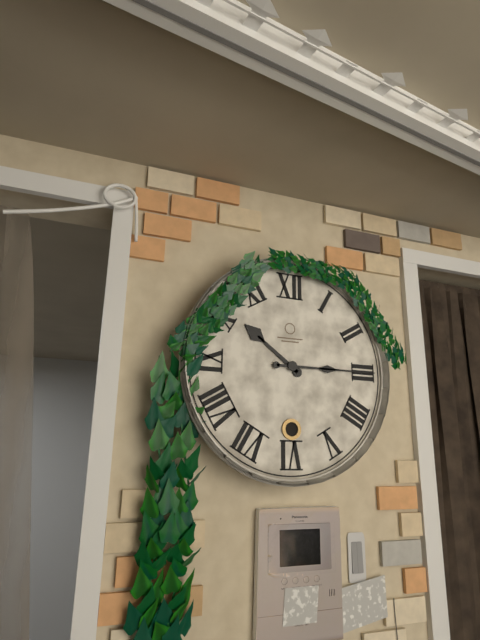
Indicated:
10 h 15 min
